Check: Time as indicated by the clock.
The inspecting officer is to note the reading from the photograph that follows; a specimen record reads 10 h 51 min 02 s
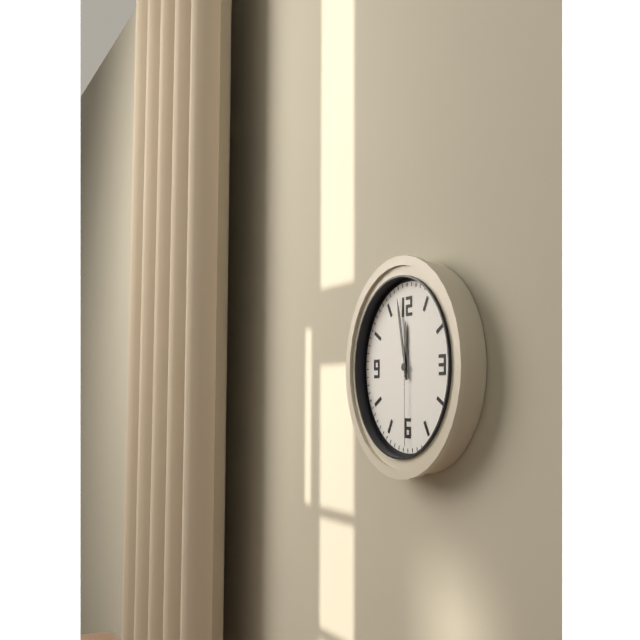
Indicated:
11 h 58 min 30 s
